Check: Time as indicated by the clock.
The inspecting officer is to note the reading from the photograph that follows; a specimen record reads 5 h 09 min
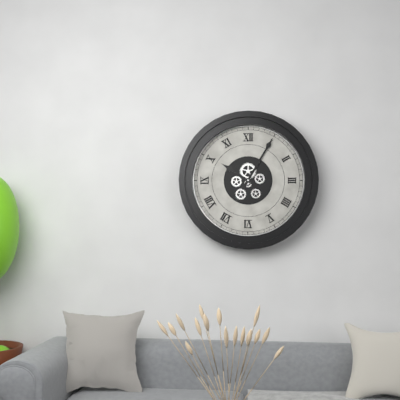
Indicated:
10 h 05 min
